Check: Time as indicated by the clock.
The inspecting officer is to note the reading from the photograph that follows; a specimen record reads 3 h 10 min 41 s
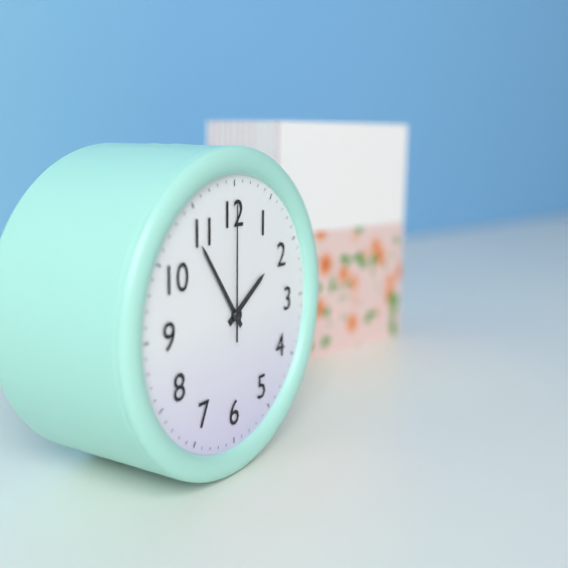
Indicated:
1 h 54 min 00 s
